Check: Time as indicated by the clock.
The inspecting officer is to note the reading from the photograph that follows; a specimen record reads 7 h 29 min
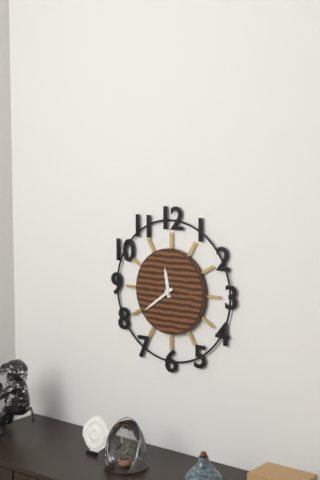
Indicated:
11 h 39 min
